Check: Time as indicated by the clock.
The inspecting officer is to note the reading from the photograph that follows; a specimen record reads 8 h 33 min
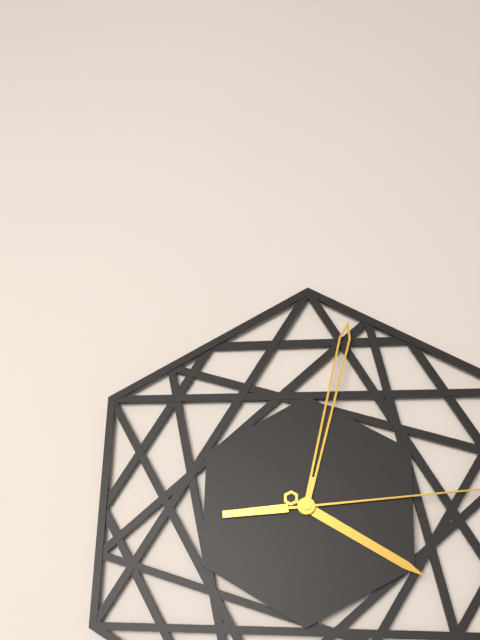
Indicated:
4 h 02 min
